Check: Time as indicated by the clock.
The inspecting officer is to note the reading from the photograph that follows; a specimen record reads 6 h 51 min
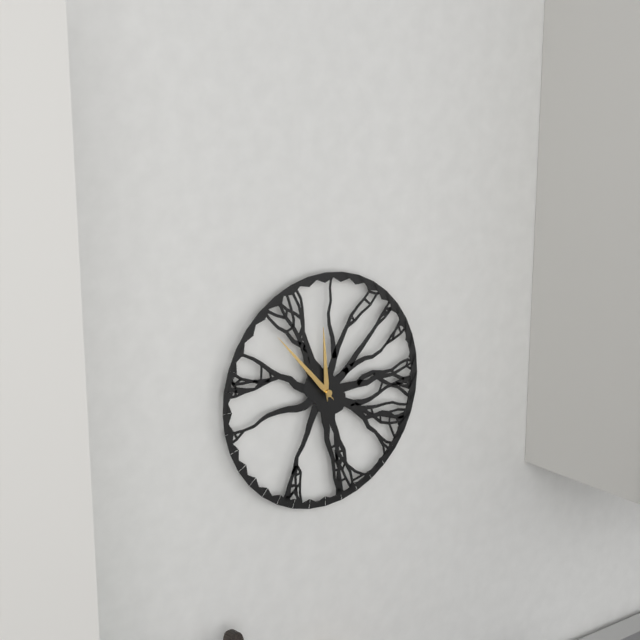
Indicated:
11 h 53 min
